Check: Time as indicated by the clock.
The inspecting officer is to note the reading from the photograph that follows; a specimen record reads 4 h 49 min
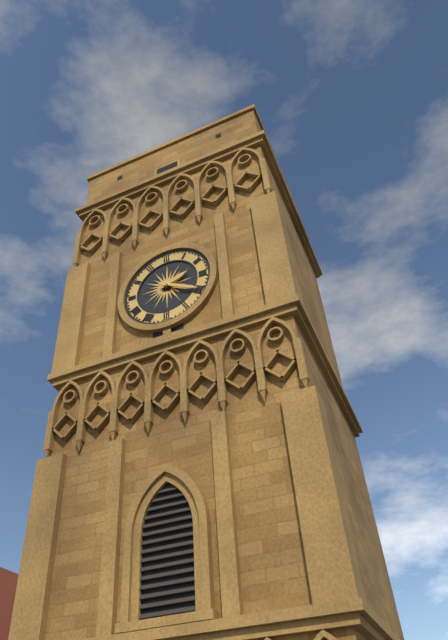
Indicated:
2 h 20 min
